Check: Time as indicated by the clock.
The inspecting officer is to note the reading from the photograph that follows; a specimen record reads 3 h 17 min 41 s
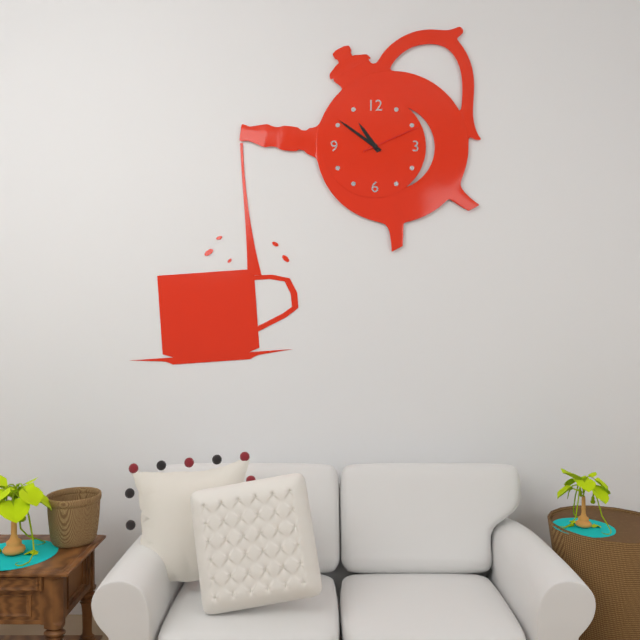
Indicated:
10 h 51 min 11 s
